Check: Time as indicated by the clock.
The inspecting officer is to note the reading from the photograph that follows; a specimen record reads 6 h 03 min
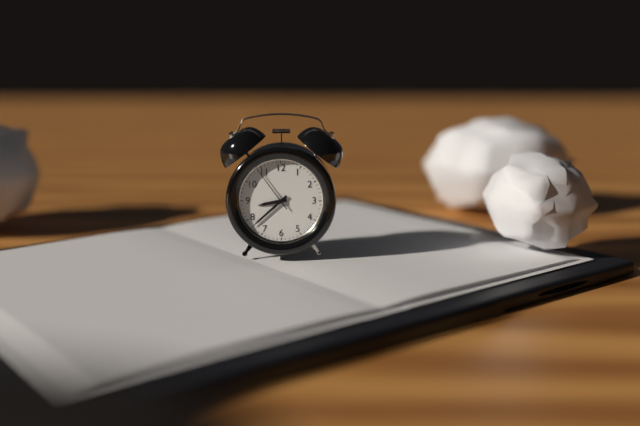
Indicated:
8 h 38 min
